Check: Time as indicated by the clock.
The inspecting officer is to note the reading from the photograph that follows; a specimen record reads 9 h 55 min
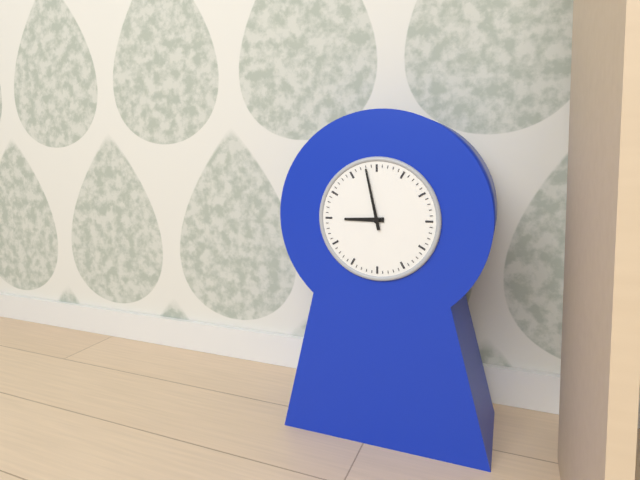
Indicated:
8 h 58 min
